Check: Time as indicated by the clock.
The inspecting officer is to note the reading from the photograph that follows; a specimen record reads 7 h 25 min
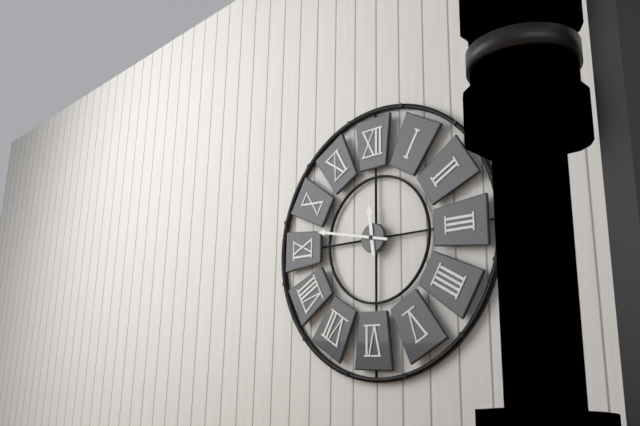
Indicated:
11 h 47 min
